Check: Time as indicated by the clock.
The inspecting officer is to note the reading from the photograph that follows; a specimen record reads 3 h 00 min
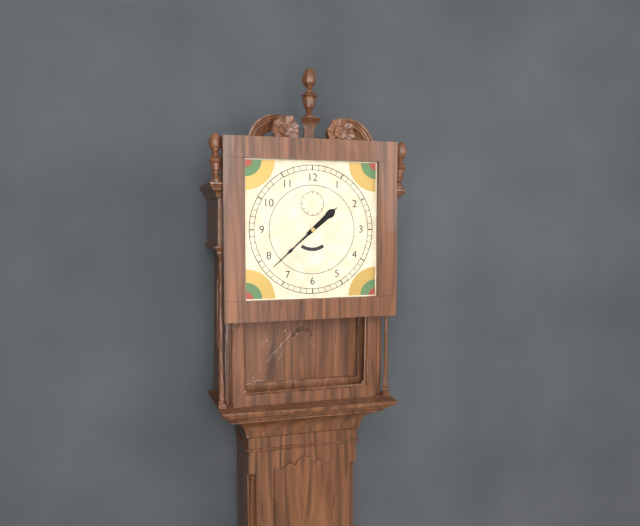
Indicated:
1 h 38 min
